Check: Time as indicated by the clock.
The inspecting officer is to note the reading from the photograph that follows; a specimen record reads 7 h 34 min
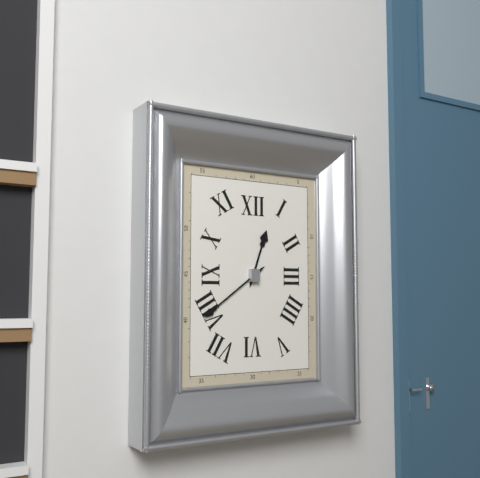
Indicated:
12 h 39 min
